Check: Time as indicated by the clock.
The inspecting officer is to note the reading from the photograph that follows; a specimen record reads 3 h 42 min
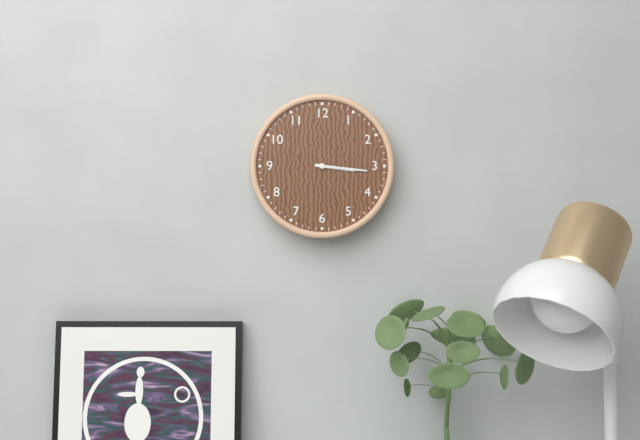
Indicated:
3 h 16 min
